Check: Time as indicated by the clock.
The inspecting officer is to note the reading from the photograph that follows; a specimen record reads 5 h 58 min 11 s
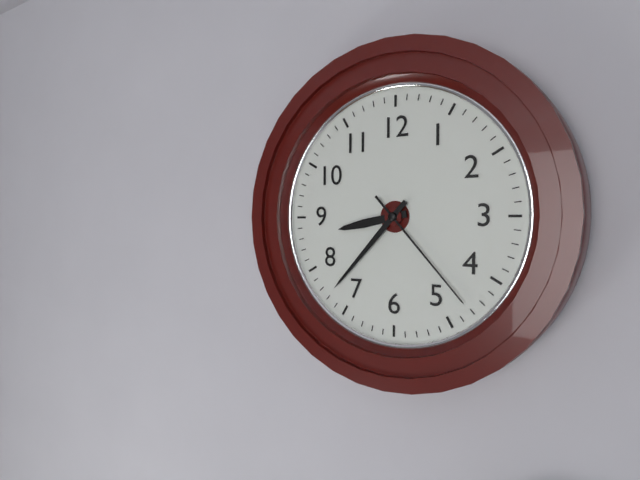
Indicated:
8 h 37 min 23 s
